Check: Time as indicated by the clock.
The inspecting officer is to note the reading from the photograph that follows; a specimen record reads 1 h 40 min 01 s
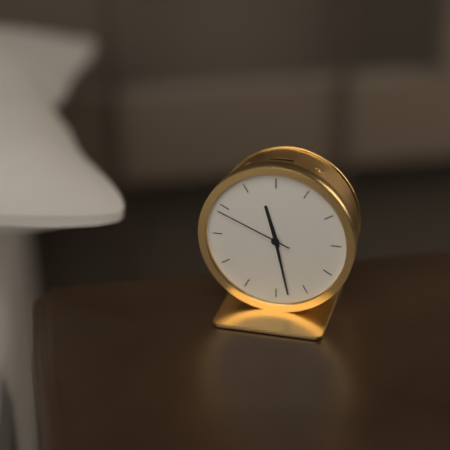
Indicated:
11 h 28 min 49 s
